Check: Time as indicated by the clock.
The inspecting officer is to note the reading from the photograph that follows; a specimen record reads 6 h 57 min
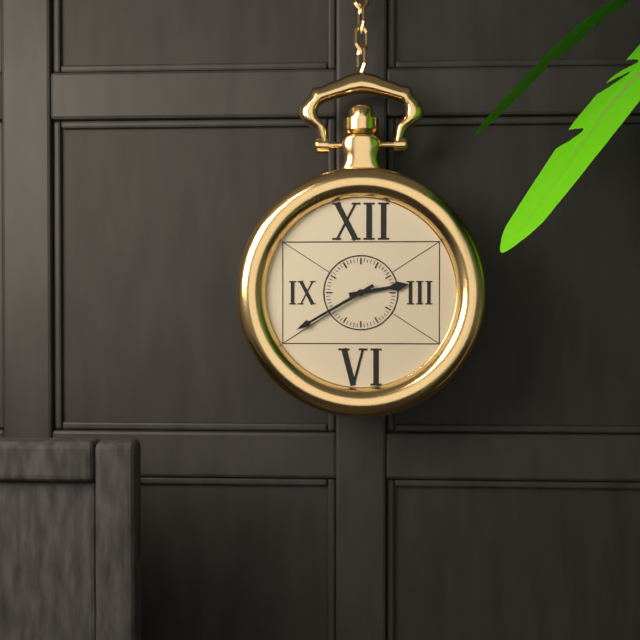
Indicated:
2 h 40 min
